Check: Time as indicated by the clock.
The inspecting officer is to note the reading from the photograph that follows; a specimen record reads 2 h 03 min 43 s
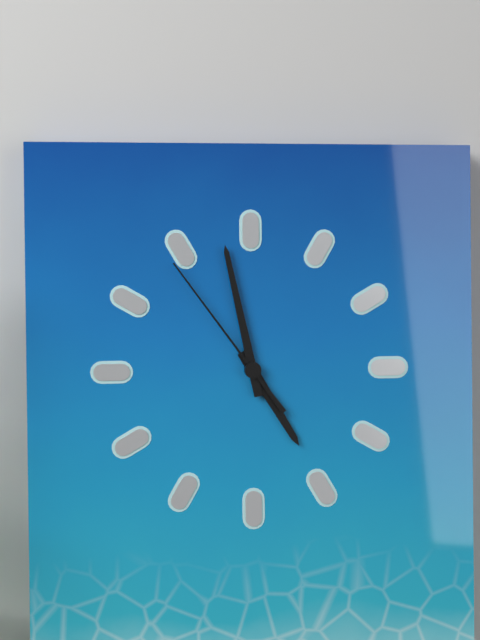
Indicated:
4 h 58 min 54 s
